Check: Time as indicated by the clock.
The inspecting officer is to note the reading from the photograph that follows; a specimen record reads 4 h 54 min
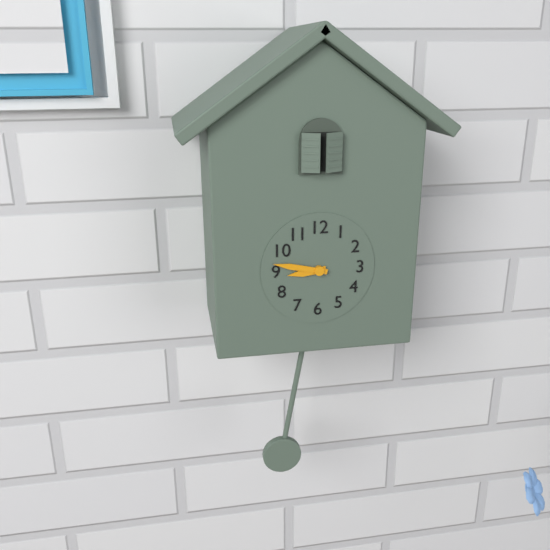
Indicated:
8 h 47 min
